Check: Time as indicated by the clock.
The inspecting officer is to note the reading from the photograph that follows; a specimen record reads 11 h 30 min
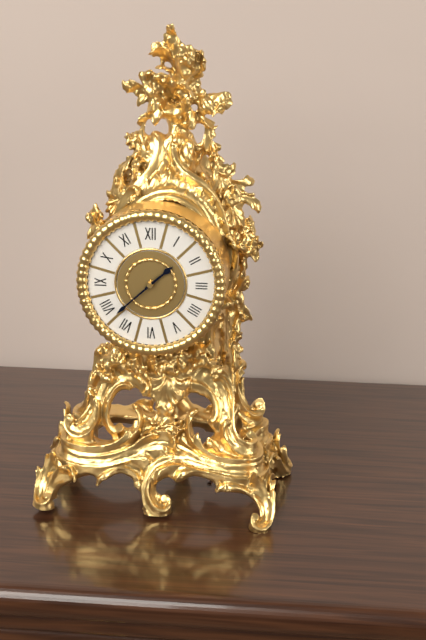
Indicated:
1 h 38 min
